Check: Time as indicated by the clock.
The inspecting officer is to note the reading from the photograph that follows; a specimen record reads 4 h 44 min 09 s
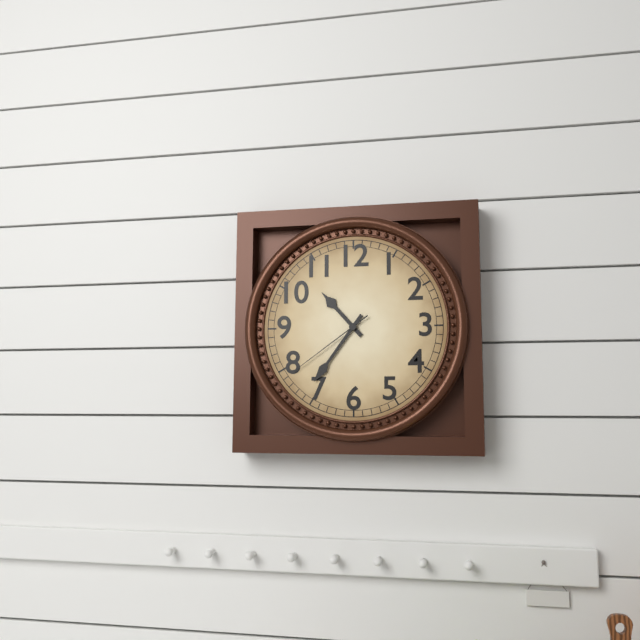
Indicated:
10 h 36 min 39 s
